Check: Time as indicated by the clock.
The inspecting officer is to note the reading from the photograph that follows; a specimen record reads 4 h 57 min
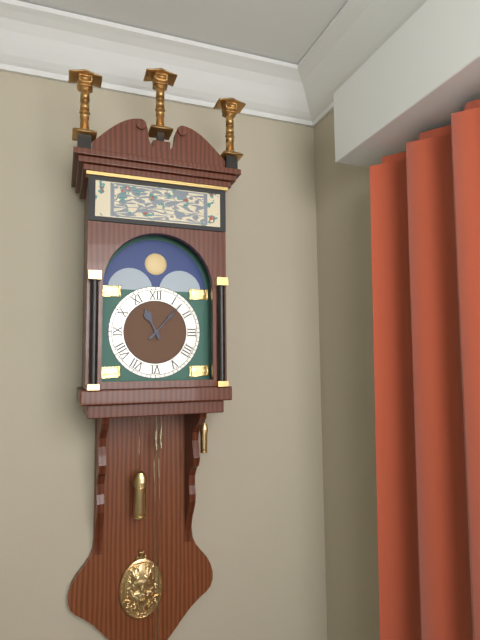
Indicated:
11 h 07 min
